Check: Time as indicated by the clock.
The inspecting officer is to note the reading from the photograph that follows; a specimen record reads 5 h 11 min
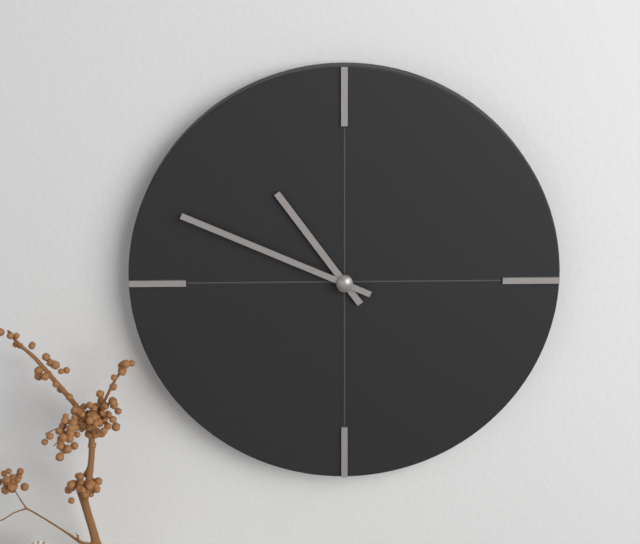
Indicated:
10 h 49 min
